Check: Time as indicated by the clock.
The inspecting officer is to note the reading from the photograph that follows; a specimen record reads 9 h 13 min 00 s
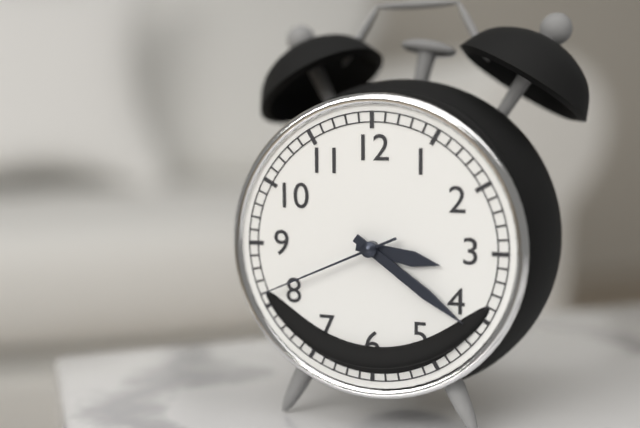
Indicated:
3 h 21 min 41 s
